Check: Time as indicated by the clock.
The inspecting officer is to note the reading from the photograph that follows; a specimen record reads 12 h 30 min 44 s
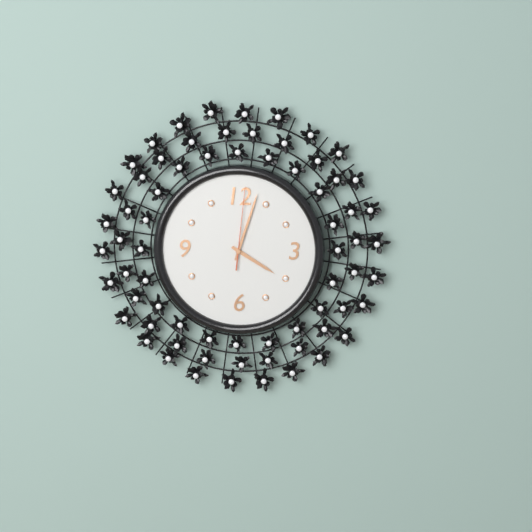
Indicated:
4 h 03 min 01 s
